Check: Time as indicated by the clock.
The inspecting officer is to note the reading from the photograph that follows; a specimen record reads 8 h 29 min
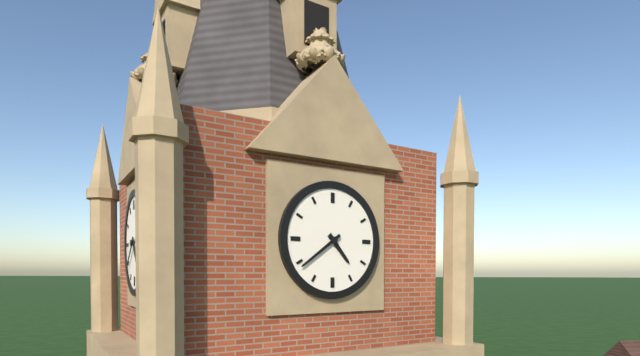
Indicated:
4 h 39 min
